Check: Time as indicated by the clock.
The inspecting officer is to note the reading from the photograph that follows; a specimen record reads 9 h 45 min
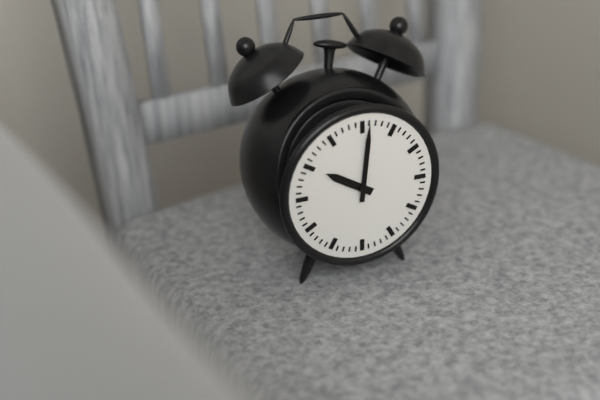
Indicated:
10 h 01 min
